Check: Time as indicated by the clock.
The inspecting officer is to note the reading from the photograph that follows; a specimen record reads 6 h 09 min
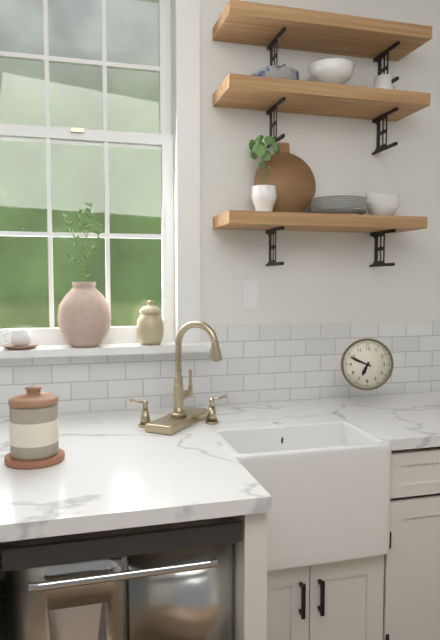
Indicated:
6 h 49 min
